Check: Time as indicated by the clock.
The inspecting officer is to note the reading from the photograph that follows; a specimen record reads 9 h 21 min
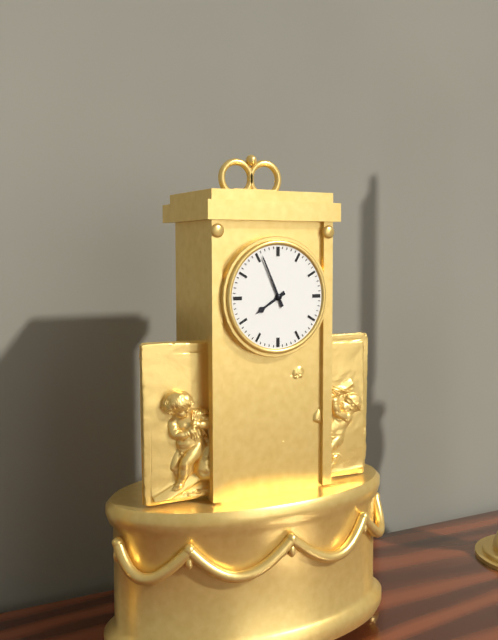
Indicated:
7 h 56 min
